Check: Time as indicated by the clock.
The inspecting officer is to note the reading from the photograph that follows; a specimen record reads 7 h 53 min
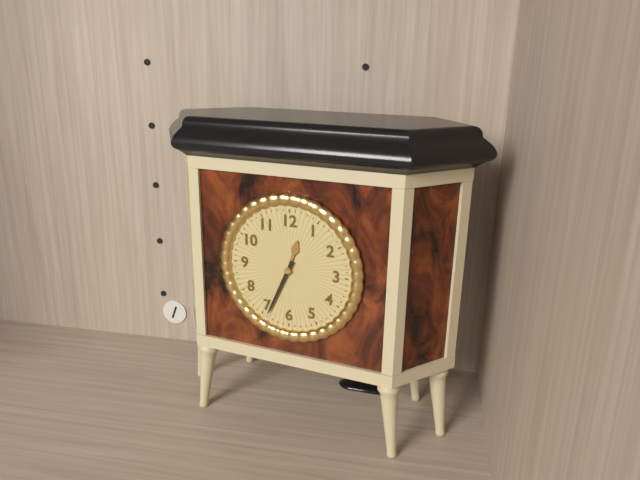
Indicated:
12 h 34 min
